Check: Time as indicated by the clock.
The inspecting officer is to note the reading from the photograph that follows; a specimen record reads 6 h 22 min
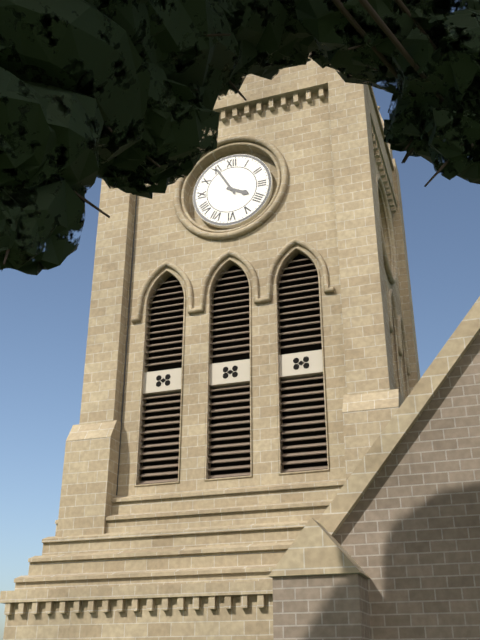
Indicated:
3 h 55 min
